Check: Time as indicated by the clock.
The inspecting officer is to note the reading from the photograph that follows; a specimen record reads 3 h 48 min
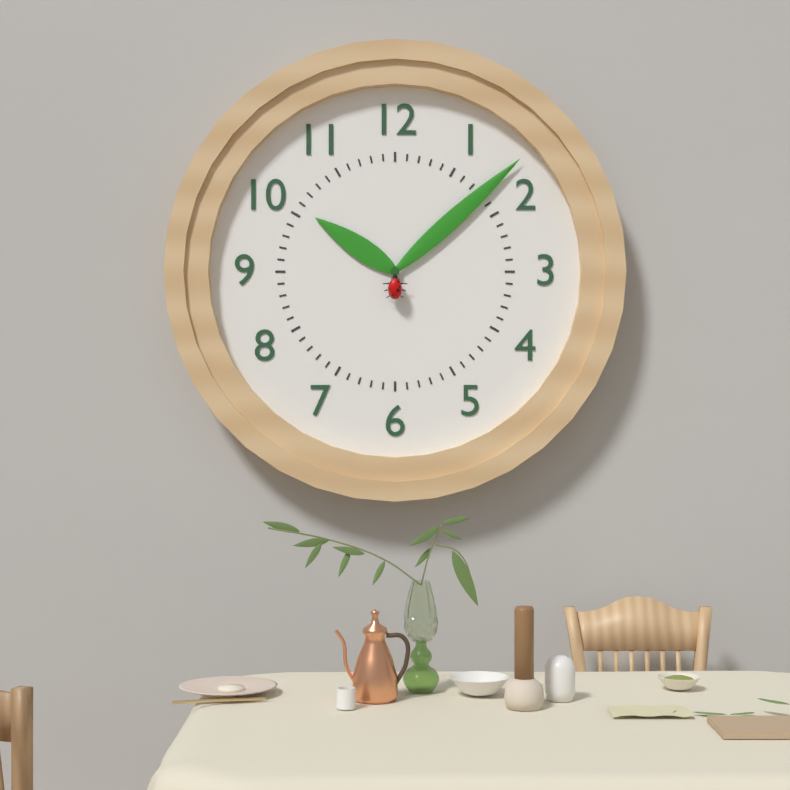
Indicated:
10 h 08 min
